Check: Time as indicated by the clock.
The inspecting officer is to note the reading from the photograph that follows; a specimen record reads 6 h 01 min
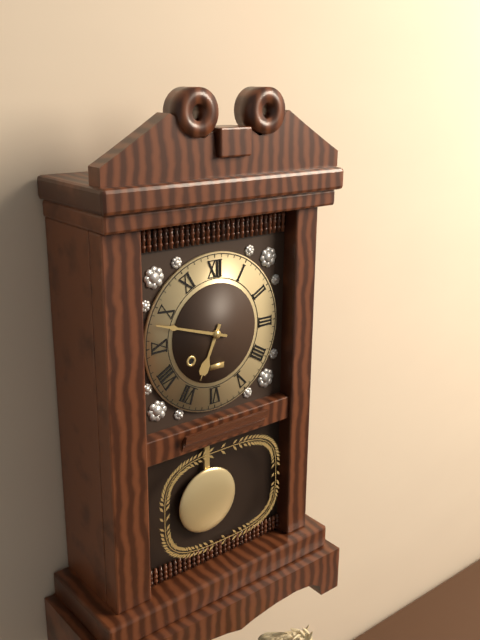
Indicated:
6 h 48 min
